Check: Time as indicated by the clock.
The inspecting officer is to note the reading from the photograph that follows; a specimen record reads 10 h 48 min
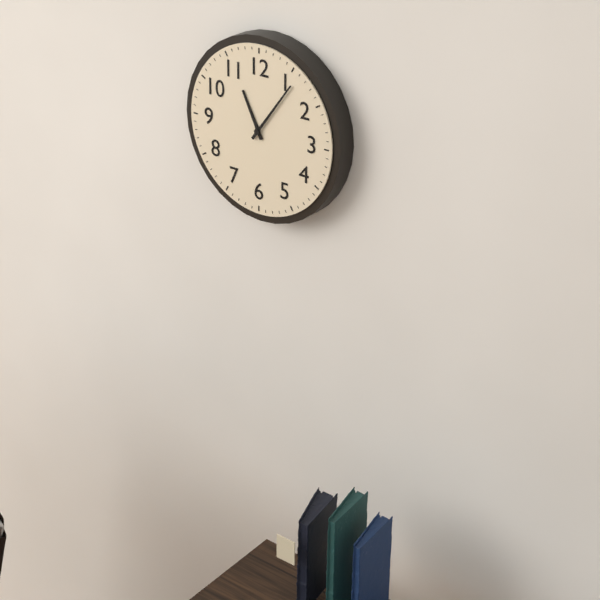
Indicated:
11 h 06 min
